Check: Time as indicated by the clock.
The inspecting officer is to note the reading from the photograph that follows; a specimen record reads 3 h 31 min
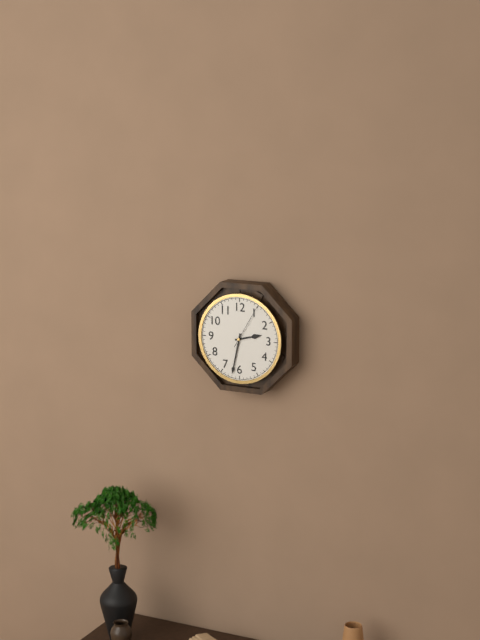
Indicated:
2 h 32 min
